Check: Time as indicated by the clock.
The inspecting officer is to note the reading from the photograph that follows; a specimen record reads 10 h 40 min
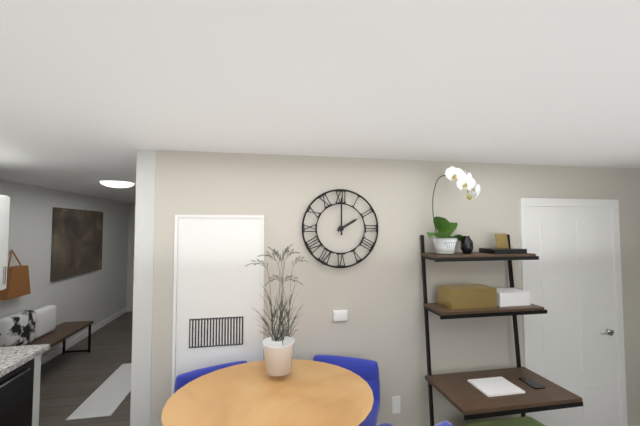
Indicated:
2 h 00 min
